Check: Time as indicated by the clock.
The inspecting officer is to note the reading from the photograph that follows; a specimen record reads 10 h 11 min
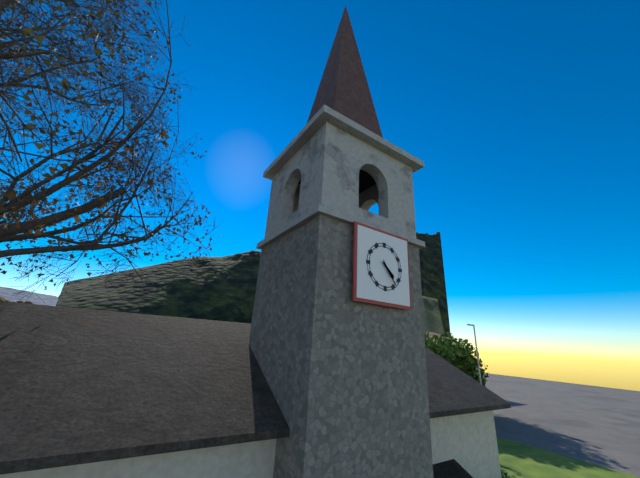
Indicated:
4 h 24 min
